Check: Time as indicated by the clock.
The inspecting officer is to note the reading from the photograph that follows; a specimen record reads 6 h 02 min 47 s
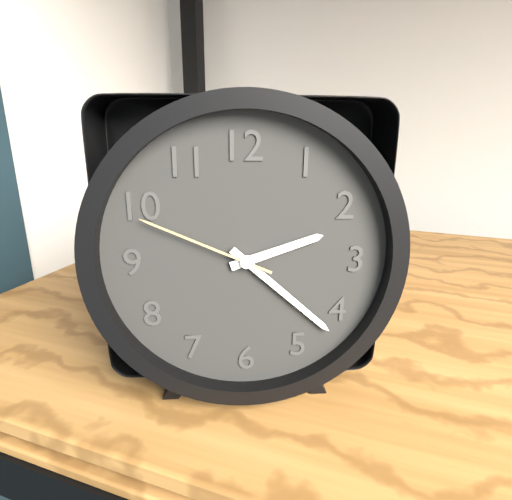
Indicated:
2 h 22 min 49 s
